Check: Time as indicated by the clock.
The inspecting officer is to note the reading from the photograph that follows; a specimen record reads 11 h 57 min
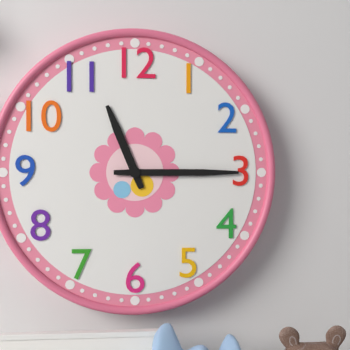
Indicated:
11 h 15 min
